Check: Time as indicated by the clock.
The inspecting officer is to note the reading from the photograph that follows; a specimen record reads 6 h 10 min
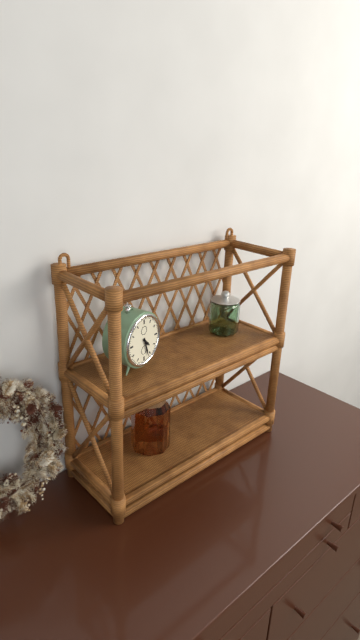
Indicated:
4 h 27 min
